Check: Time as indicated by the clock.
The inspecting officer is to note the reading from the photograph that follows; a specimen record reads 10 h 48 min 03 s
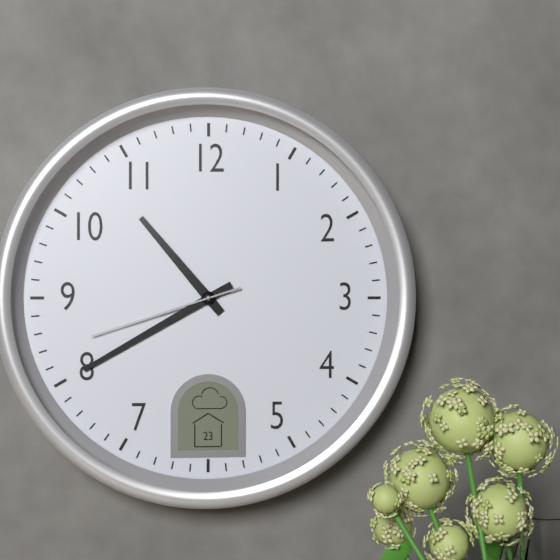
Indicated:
10 h 40 min 42 s
